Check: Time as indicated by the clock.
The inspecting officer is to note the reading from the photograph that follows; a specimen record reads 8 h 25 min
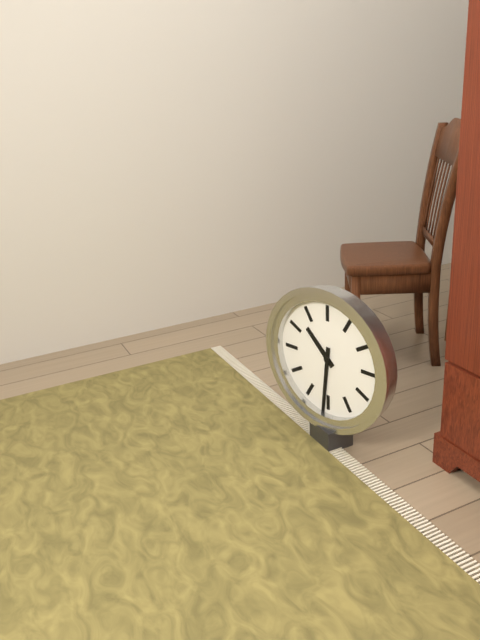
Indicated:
10 h 31 min
